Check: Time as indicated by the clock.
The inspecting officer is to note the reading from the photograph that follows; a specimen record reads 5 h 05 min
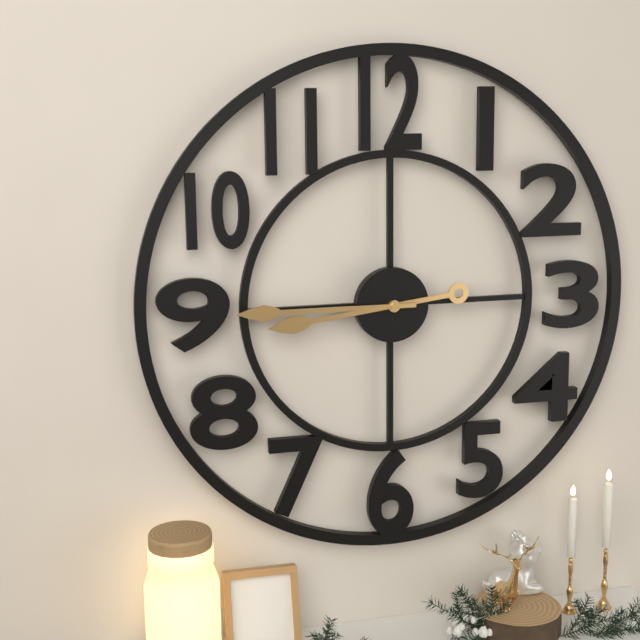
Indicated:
8 h 45 min
